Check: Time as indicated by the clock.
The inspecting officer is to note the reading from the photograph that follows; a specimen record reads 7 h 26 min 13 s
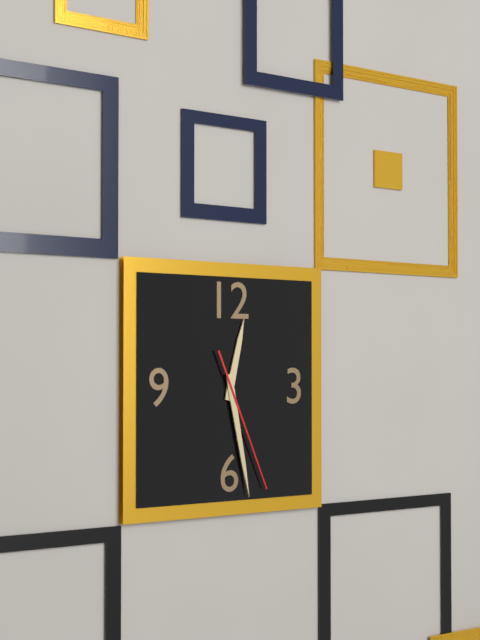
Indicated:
12 h 28 min 26 s
